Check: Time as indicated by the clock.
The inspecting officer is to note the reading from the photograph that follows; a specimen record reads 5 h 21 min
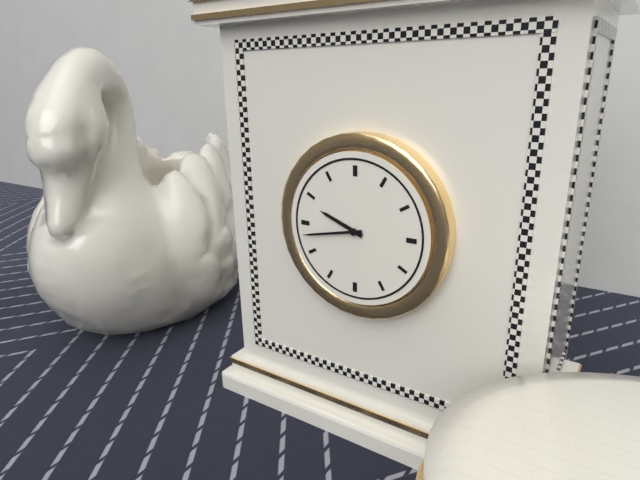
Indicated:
9 h 43 min
